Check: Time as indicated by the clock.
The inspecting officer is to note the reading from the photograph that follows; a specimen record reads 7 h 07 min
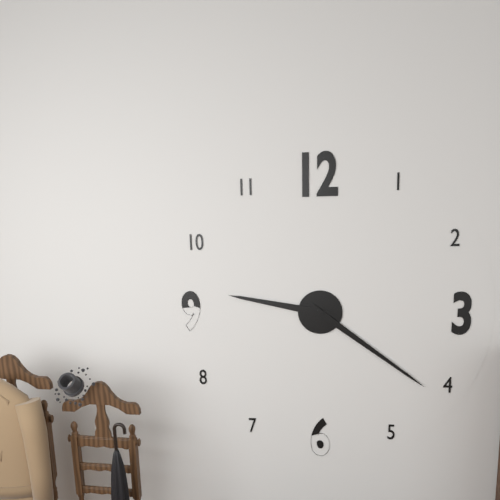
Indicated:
9 h 21 min
